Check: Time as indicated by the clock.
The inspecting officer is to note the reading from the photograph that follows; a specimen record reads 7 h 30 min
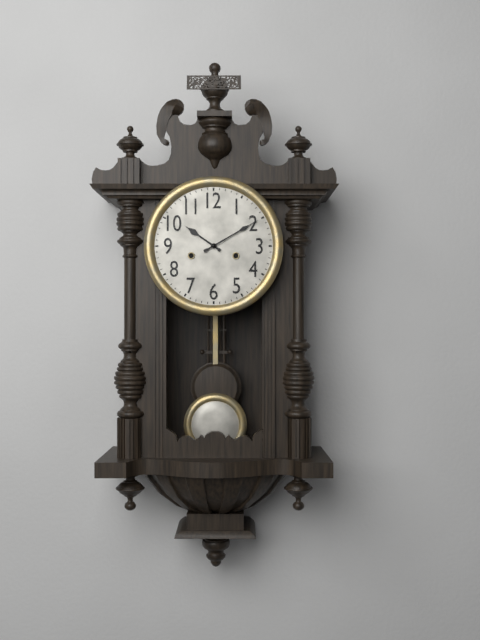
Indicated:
10 h 10 min
